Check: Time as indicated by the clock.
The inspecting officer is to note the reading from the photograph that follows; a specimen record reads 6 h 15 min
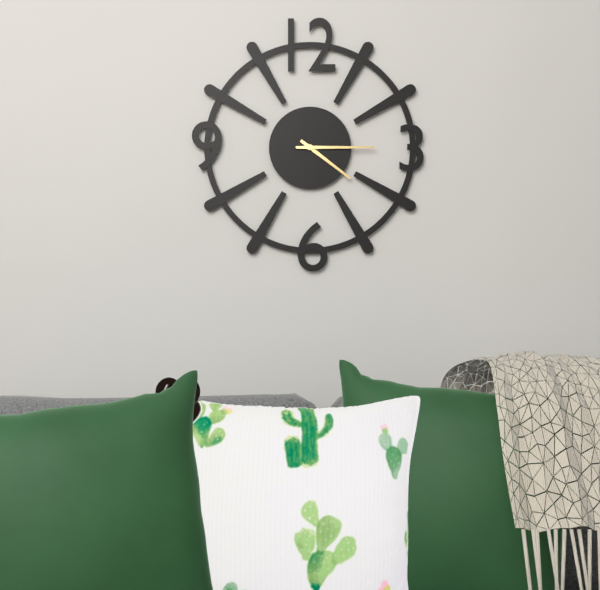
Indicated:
4 h 15 min
